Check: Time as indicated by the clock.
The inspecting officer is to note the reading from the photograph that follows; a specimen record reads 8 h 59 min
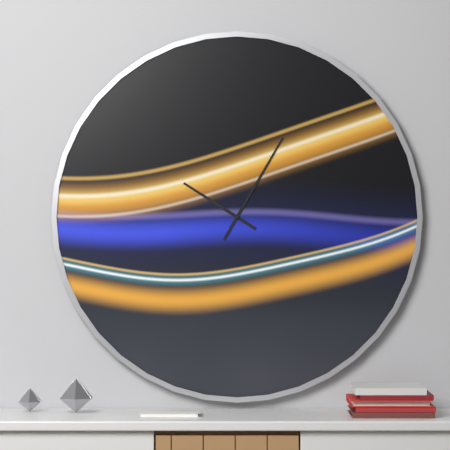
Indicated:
10 h 05 min
